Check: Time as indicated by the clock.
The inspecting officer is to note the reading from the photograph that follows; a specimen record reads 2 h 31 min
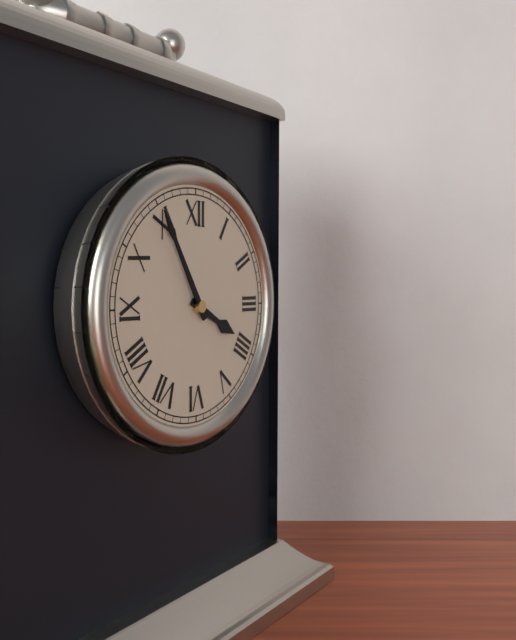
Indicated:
3 h 55 min
